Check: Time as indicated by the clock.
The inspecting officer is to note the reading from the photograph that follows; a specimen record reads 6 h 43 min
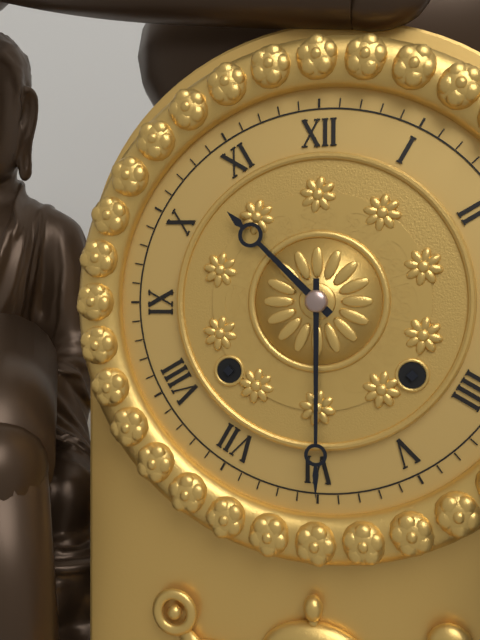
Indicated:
10 h 30 min
